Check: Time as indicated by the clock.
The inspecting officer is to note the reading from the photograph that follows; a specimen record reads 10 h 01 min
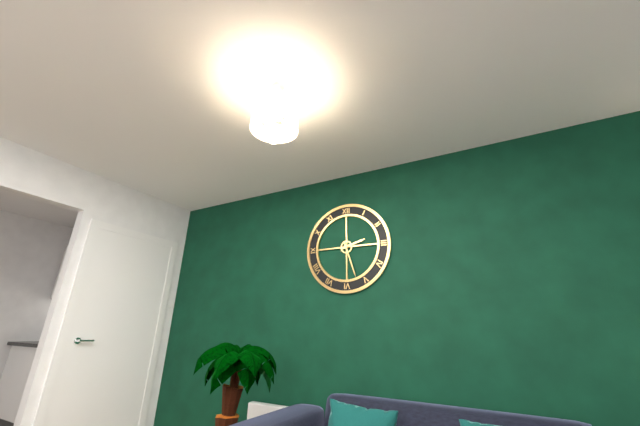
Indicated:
2 h 27 min
